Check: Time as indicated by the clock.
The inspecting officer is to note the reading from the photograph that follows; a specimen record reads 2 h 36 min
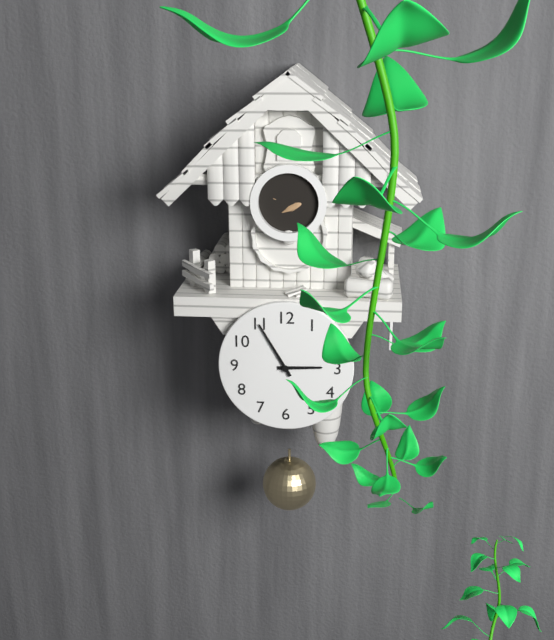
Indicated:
2 h 55 min
